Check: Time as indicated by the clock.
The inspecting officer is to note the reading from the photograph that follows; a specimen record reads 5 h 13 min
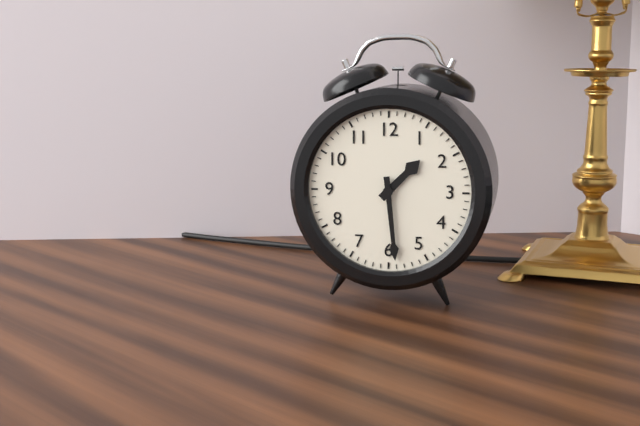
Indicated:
1 h 29 min
